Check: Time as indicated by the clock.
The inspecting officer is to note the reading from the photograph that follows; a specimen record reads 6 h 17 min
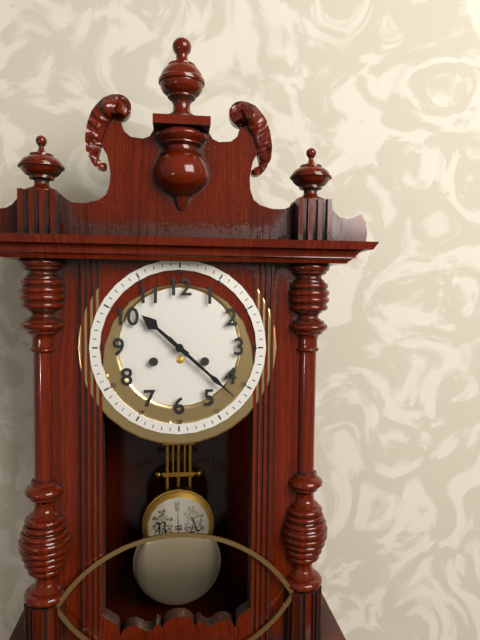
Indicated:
10 h 22 min
